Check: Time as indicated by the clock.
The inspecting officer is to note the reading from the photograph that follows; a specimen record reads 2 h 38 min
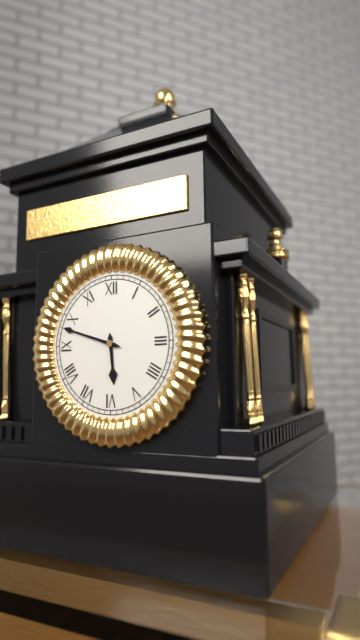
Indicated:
5 h 48 min
